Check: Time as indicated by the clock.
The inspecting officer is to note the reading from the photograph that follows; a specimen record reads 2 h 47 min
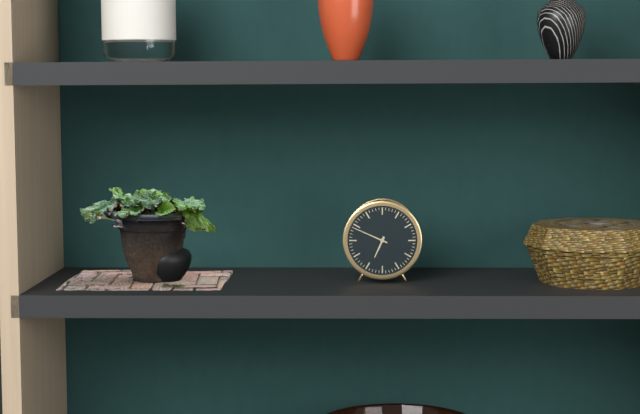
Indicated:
6 h 49 min
